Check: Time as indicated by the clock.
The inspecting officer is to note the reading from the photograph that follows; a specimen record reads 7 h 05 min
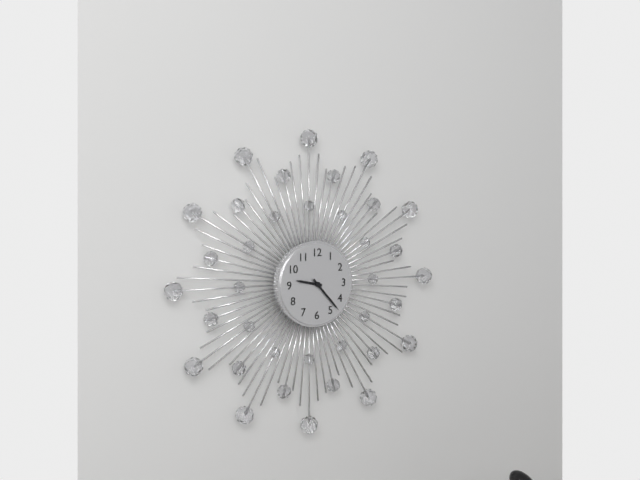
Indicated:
9 h 23 min
